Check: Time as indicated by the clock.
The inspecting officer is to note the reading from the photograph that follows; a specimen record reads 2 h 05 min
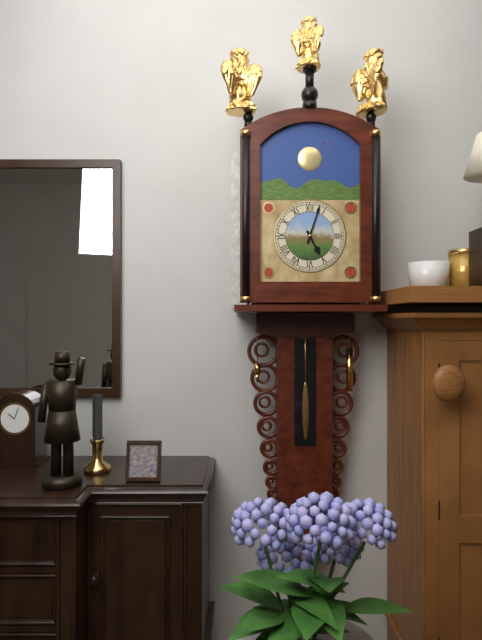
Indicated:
5 h 03 min
